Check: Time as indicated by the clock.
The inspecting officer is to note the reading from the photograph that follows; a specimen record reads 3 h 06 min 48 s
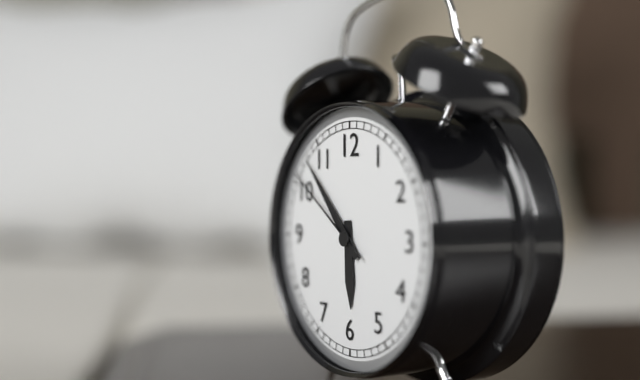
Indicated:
5 h 53 min 51 s
